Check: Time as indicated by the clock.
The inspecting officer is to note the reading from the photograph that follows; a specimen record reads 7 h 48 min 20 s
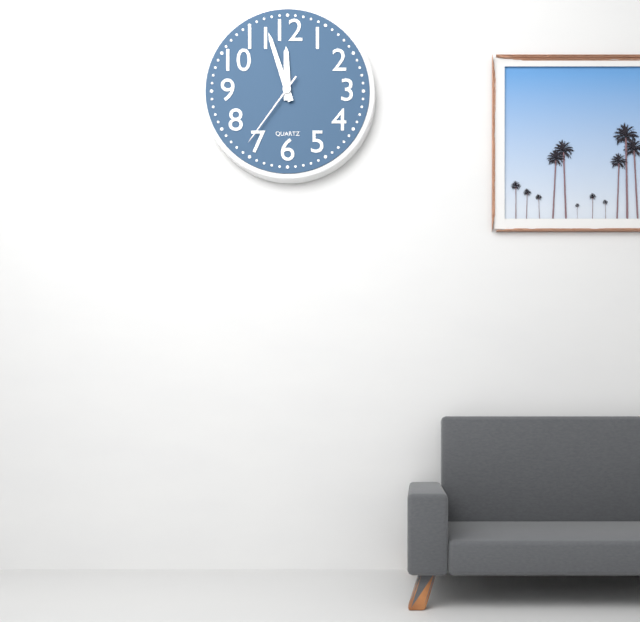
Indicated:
11 h 57 min 36 s
